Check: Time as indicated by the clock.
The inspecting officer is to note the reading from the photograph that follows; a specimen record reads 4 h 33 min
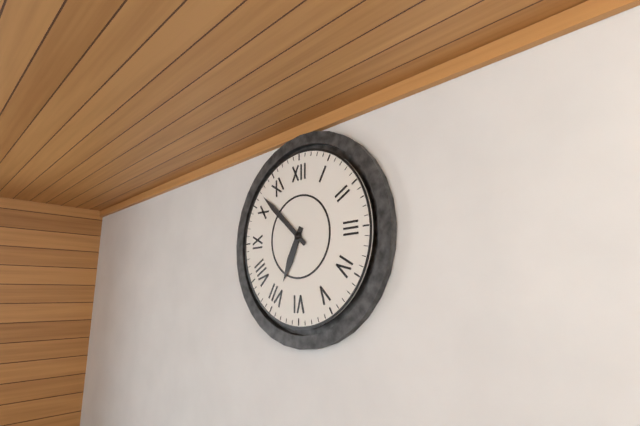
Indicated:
6 h 52 min
